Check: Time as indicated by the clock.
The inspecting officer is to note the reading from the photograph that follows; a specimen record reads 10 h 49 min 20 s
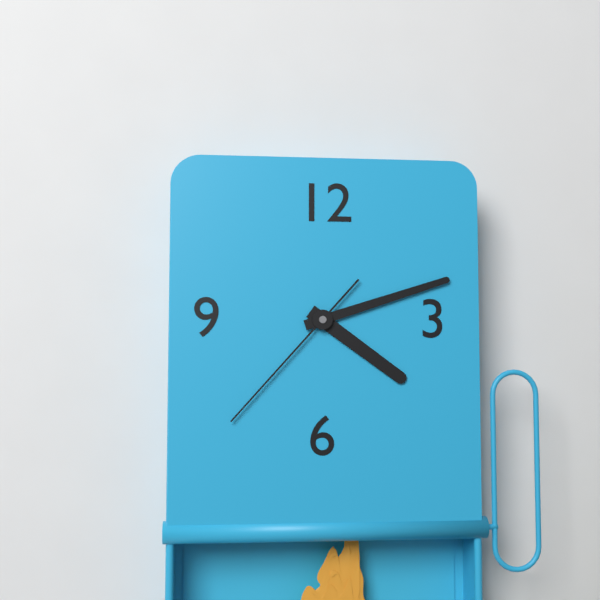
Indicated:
4 h 12 min 37 s
